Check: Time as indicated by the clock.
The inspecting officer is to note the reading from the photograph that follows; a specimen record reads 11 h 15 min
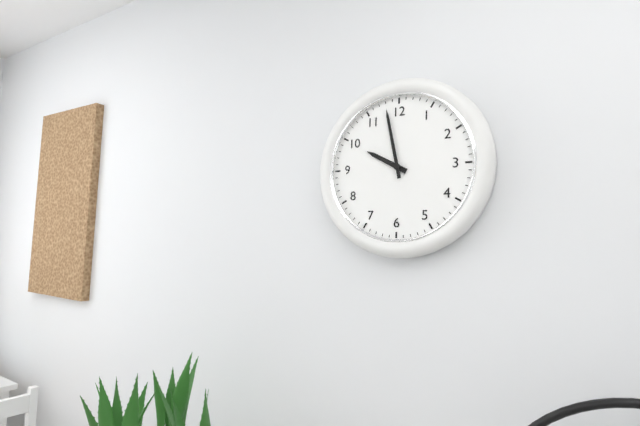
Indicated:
9 h 58 min
